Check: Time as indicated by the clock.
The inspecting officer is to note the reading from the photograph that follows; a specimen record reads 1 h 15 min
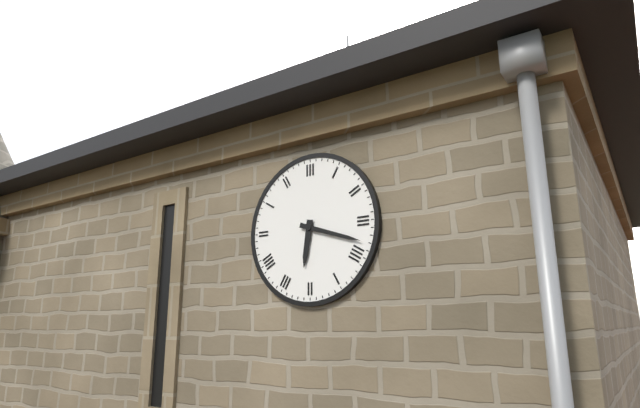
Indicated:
6 h 18 min
